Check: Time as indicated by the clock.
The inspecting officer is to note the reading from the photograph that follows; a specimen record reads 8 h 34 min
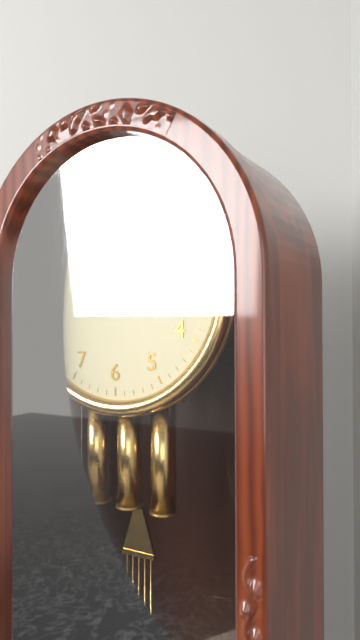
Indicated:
9 h 58 min
